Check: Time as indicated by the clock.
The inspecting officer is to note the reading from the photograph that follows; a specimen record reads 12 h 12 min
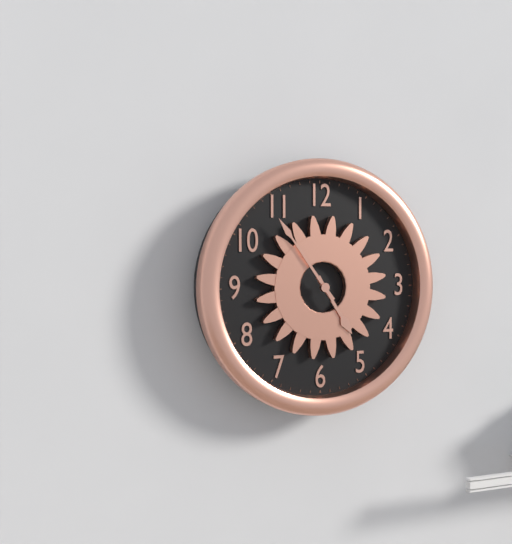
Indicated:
4 h 54 min
